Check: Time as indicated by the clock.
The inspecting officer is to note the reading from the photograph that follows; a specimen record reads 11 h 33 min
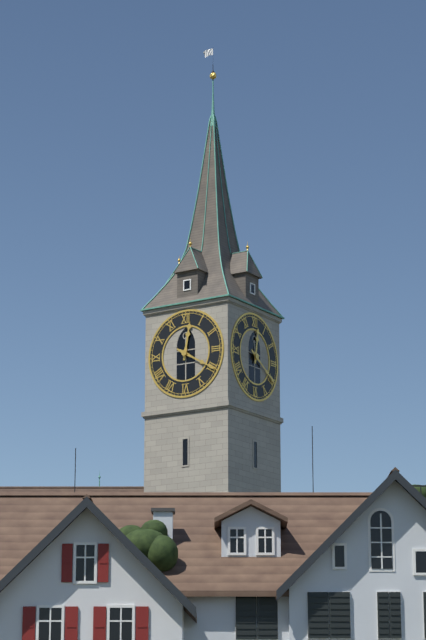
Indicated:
12 h 20 min
